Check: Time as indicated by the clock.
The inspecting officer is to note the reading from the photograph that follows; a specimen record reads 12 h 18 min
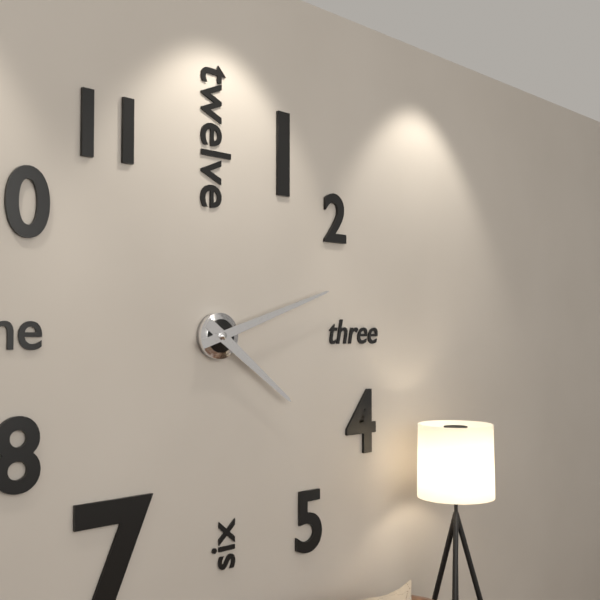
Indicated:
4 h 12 min
